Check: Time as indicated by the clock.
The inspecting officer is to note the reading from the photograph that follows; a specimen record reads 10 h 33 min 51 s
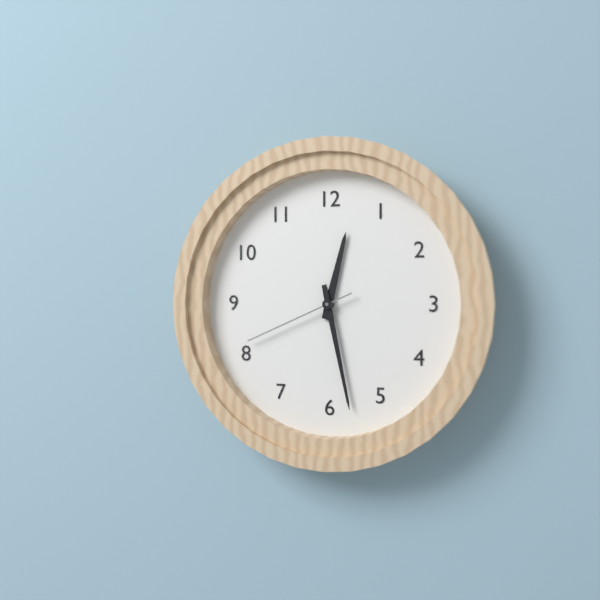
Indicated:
12 h 28 min 41 s
